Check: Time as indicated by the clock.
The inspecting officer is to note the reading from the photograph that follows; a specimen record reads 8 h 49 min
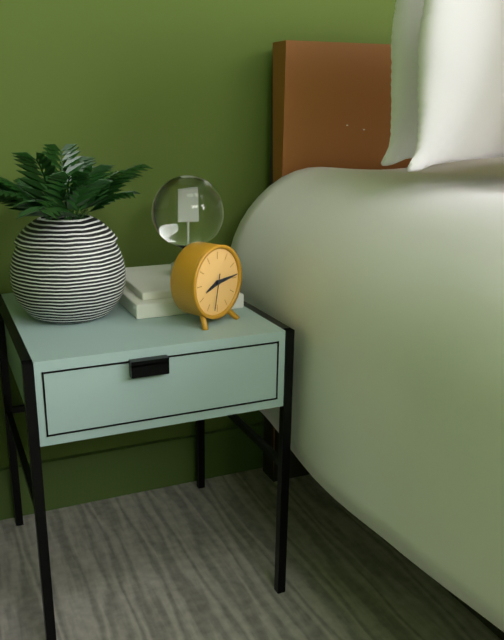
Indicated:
8 h 14 min
